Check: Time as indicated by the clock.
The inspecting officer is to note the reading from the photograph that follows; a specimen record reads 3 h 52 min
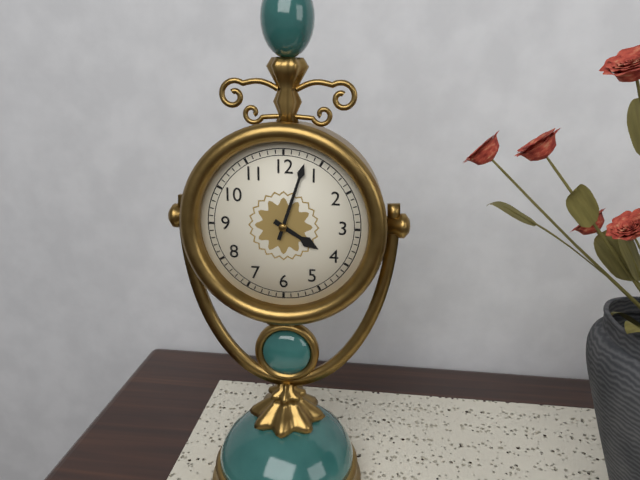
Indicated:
4 h 03 min
